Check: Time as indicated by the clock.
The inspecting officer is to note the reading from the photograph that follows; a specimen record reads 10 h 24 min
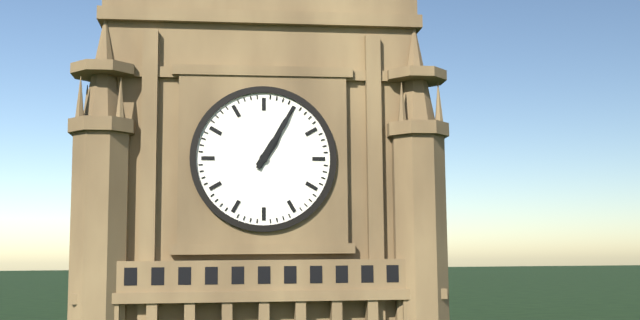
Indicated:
1 h 05 min
